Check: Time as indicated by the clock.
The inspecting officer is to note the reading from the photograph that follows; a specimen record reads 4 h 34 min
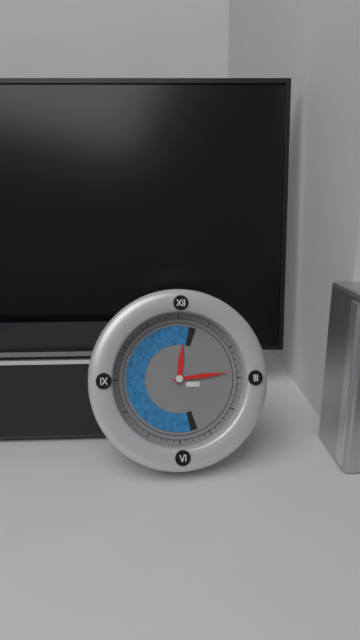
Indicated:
12 h 14 min
